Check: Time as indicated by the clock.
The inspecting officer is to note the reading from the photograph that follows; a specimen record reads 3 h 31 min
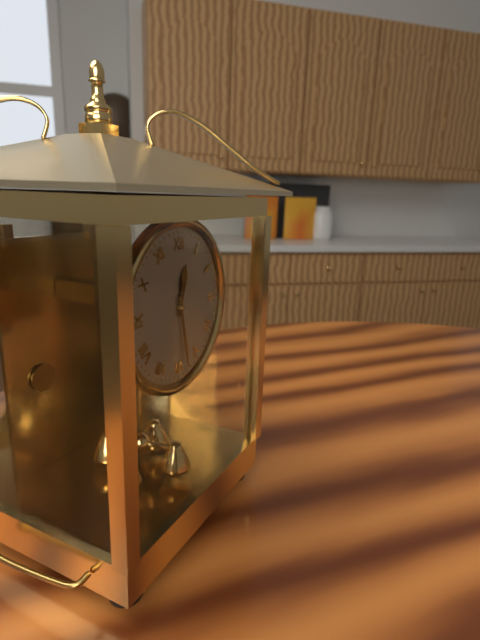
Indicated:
12 h 28 min
